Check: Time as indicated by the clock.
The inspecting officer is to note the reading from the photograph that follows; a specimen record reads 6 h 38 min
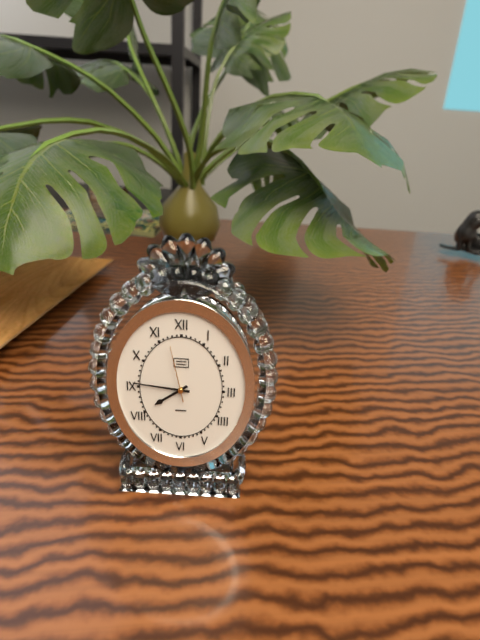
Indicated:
7 h 46 min
